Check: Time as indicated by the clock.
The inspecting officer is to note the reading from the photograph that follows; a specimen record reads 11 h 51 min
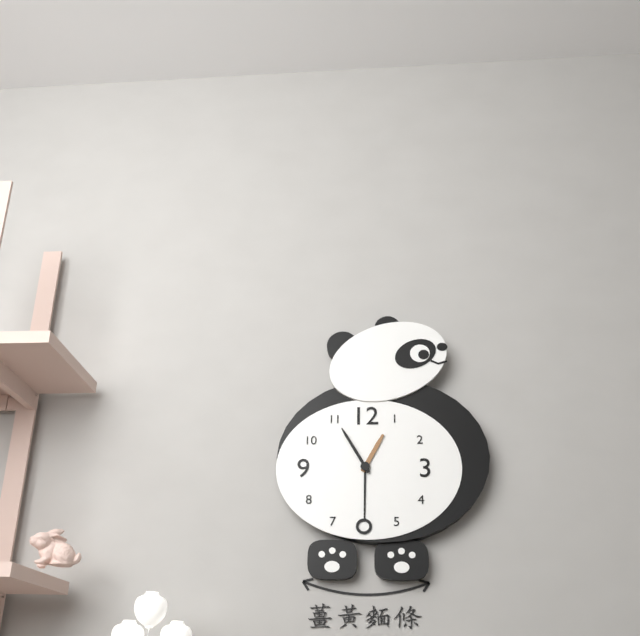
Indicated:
12 h 55 min
